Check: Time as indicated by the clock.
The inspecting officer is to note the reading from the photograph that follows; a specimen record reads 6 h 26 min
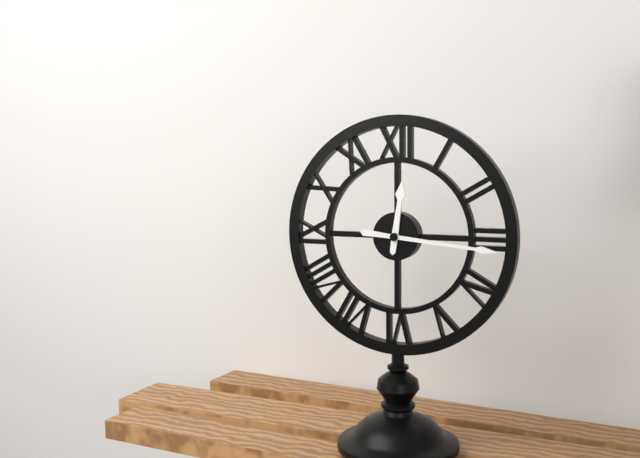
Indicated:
12 h 16 min
